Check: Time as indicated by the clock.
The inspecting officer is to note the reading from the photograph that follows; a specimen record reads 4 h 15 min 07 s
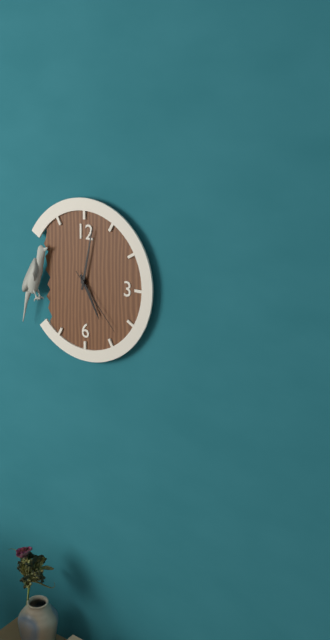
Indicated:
5 h 02 min 23 s
